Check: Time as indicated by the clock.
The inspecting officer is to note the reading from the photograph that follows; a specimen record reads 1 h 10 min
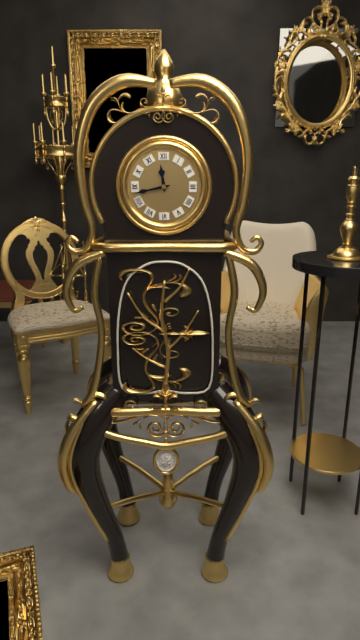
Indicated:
11 h 43 min
